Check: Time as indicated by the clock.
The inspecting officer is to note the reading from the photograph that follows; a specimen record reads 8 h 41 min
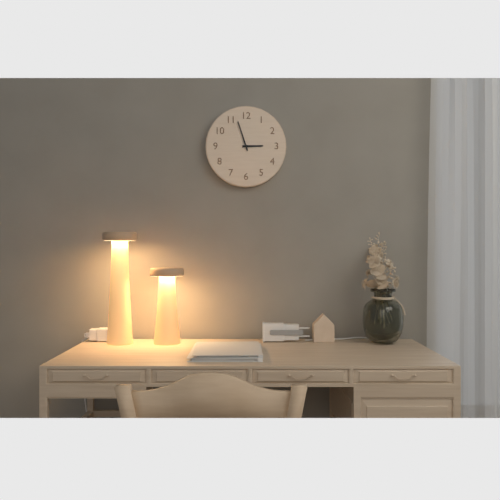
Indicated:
2 h 57 min
